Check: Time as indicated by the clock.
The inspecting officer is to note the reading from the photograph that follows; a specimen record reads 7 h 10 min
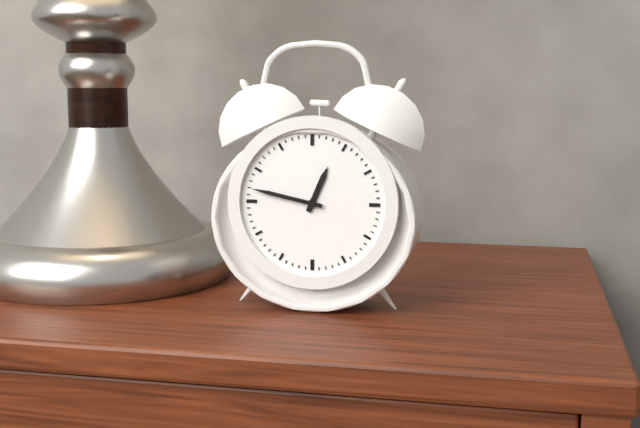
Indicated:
12 h 47 min
